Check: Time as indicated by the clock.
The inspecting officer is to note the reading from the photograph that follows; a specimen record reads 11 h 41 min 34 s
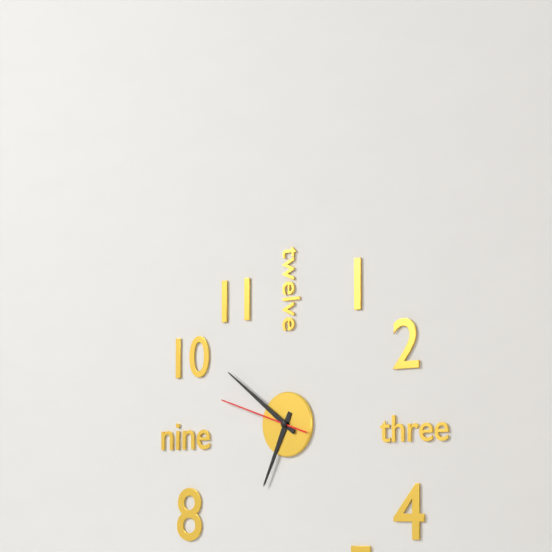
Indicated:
6 h 51 min 48 s
